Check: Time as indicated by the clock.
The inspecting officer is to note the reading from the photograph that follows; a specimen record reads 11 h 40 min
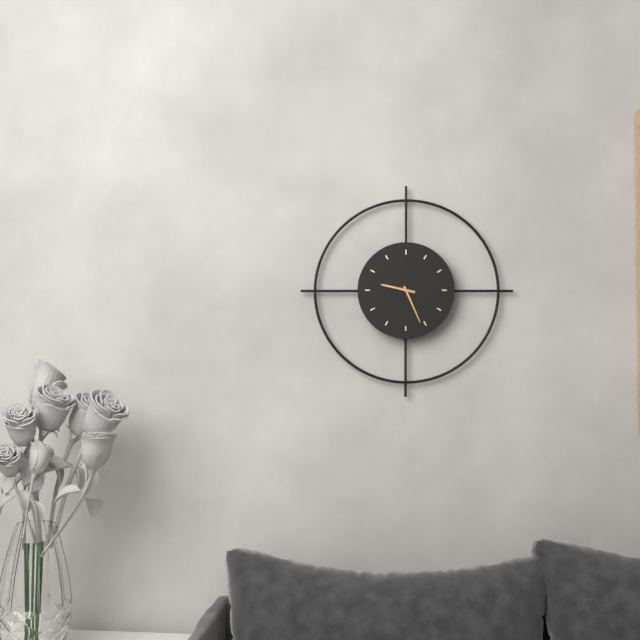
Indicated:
9 h 26 min
